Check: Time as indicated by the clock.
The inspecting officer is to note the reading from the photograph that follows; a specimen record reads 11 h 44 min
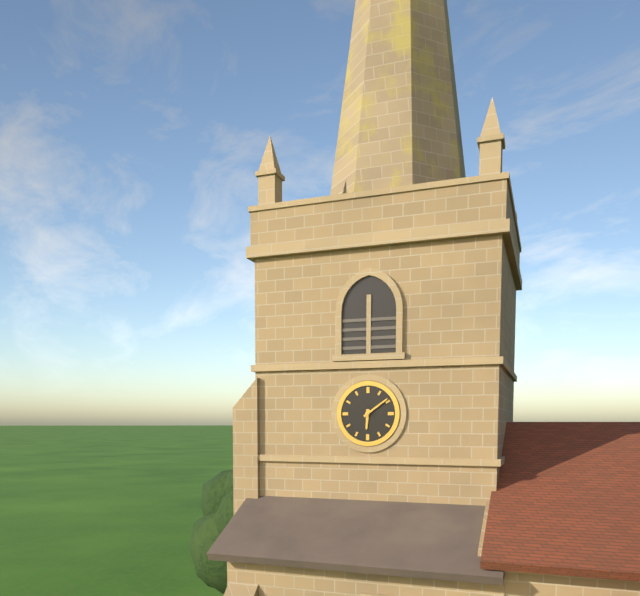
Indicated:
6 h 09 min
